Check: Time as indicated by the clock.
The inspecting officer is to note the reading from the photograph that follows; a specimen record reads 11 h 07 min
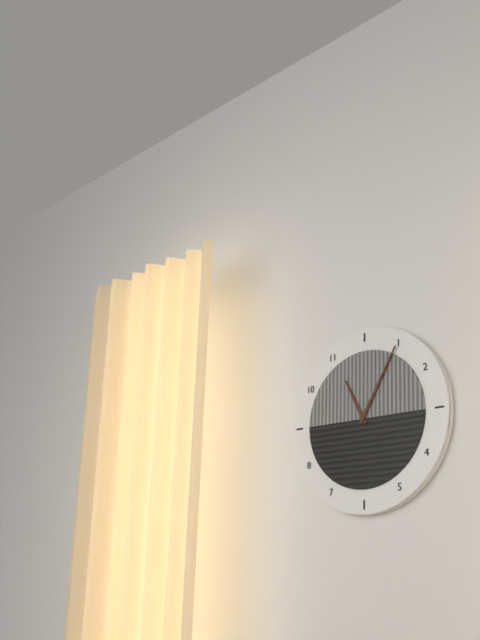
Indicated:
11 h 05 min
